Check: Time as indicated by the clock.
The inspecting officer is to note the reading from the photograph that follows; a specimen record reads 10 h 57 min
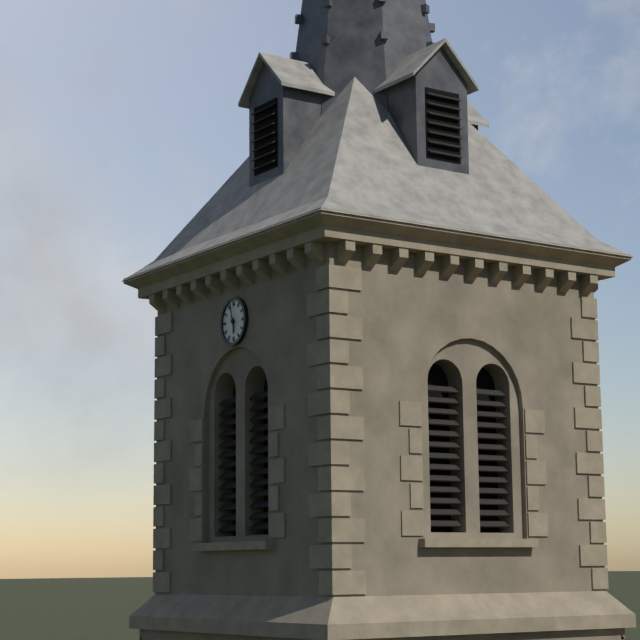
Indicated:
5 h 58 min
